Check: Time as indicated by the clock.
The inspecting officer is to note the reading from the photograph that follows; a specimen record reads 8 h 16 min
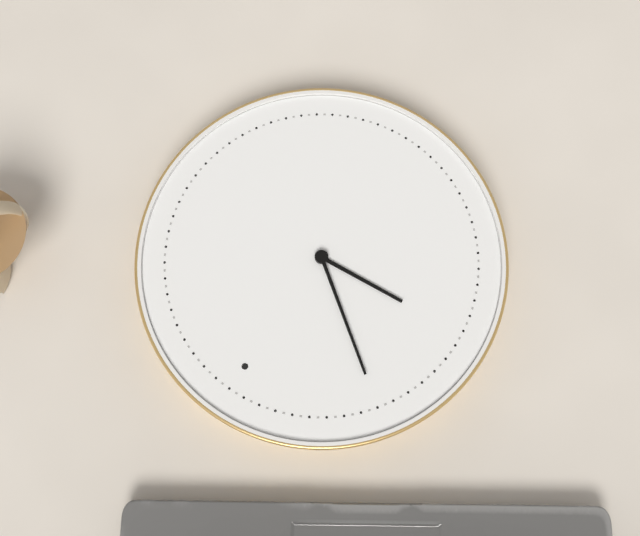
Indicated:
8 h 51 min
